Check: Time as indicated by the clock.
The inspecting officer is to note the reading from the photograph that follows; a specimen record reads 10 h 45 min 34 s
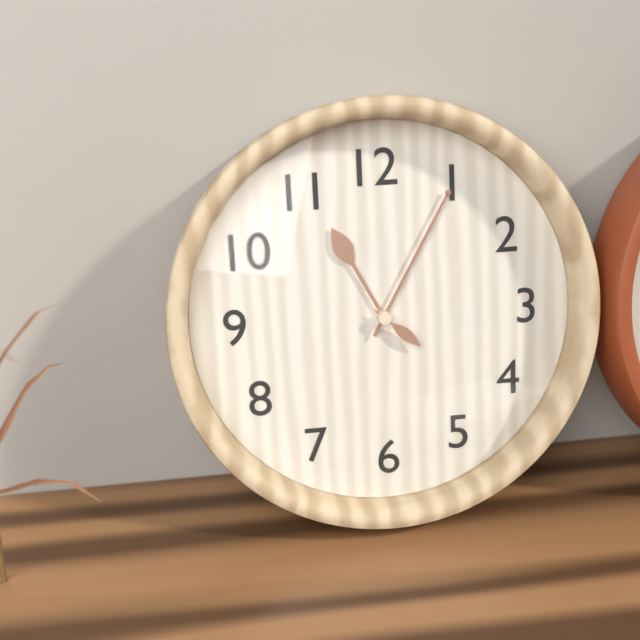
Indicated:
11 h 05 min 22 s
